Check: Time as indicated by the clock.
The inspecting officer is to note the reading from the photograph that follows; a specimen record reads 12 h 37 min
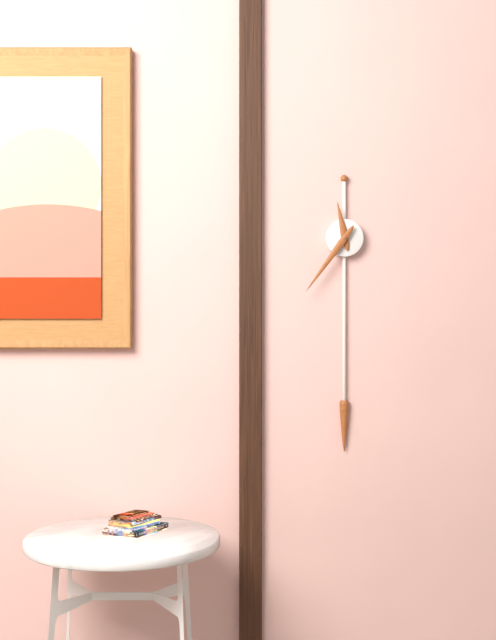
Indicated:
11 h 36 min
